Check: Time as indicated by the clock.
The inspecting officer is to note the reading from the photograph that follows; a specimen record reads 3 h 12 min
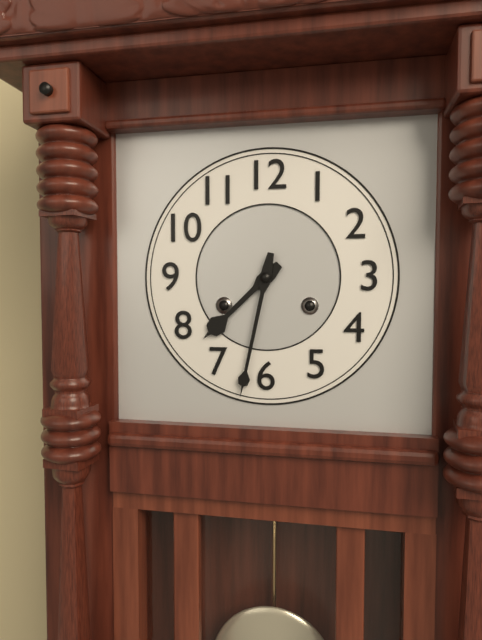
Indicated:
7 h 32 min
